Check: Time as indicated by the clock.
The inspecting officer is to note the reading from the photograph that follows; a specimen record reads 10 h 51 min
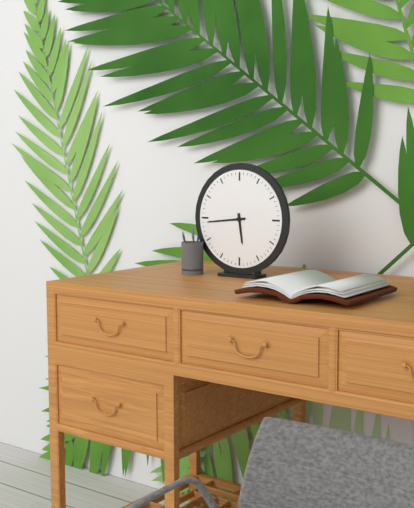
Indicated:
5 h 44 min
